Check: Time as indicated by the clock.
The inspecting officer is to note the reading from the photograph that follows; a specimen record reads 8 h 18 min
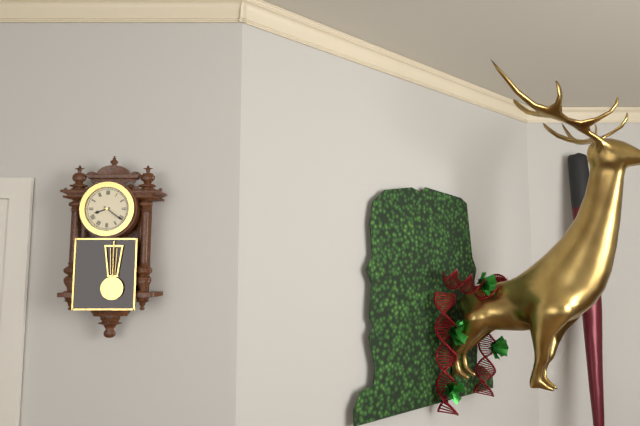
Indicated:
8 h 21 min
